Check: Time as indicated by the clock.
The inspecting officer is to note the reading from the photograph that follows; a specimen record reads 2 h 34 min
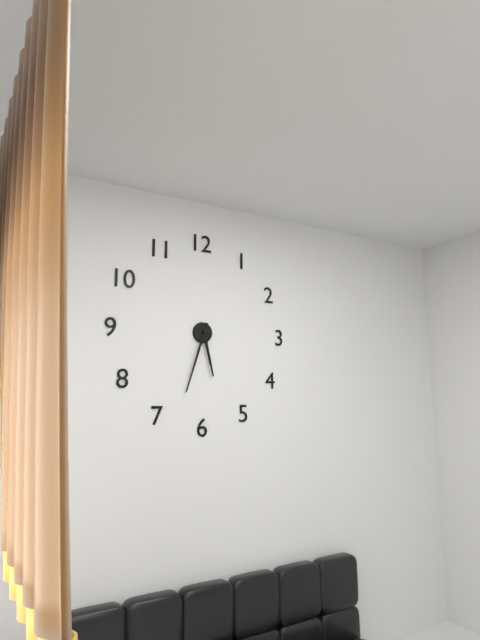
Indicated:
5 h 33 min
